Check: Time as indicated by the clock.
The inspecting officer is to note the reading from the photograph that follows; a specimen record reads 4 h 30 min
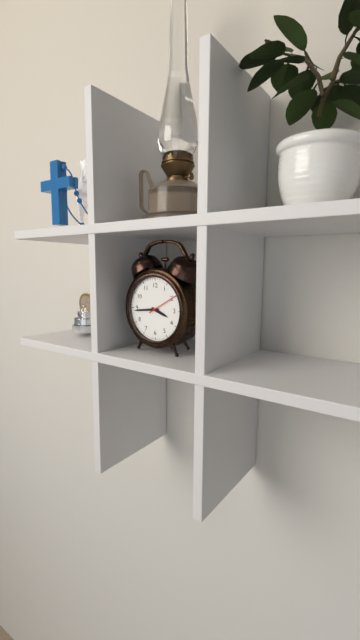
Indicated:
3 h 44 min
